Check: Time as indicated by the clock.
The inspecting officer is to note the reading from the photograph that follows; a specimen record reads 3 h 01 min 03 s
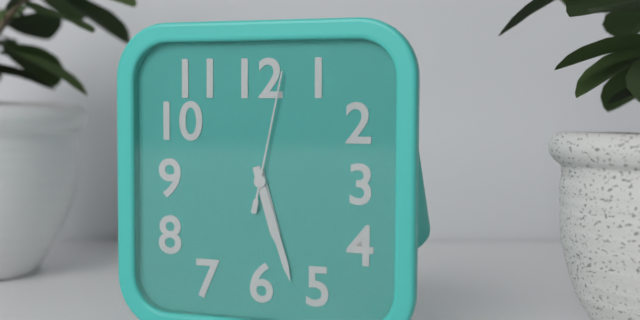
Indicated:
5 h 27 min 02 s
